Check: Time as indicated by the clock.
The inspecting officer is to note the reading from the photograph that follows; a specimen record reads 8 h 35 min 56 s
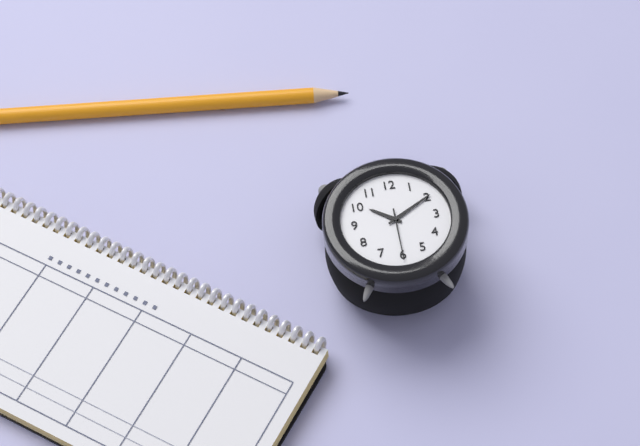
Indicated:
10 h 10 min 30 s
